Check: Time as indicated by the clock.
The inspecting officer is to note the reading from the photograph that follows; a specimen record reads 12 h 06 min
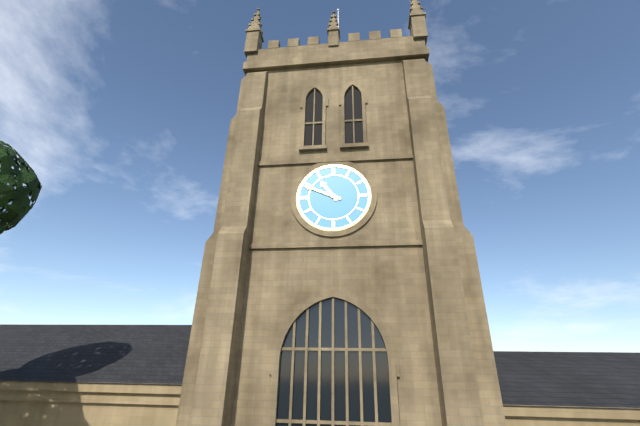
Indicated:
10 h 49 min
